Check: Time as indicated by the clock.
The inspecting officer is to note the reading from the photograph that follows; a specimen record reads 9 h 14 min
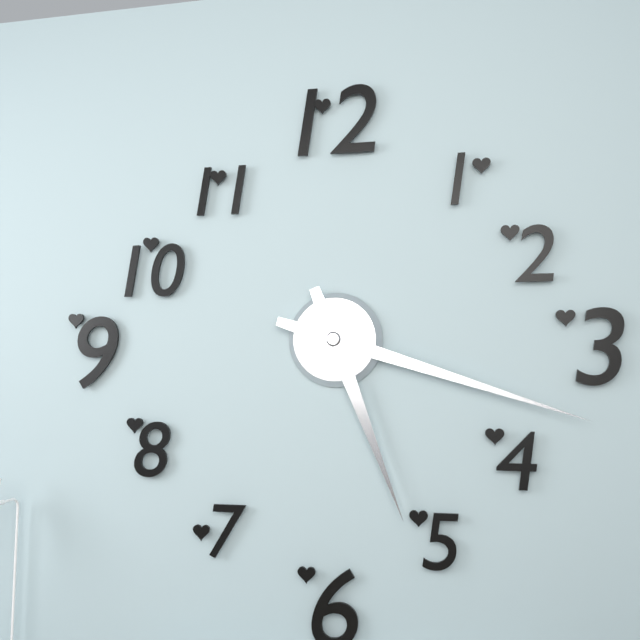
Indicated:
5 h 18 min
